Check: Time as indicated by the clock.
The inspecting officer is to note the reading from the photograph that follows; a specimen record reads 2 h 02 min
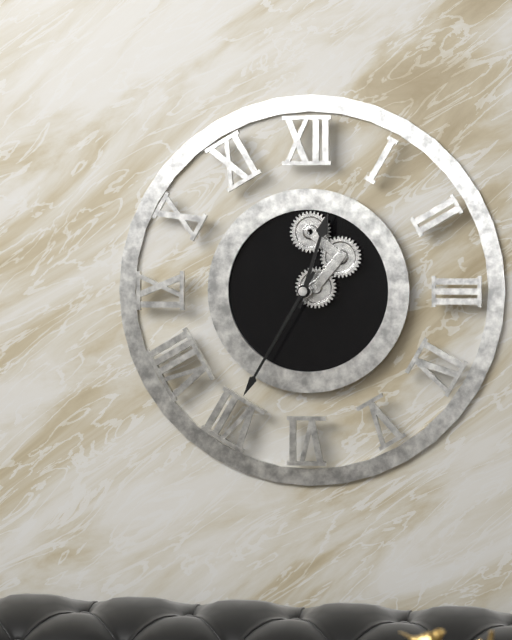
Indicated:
12 h 35 min
